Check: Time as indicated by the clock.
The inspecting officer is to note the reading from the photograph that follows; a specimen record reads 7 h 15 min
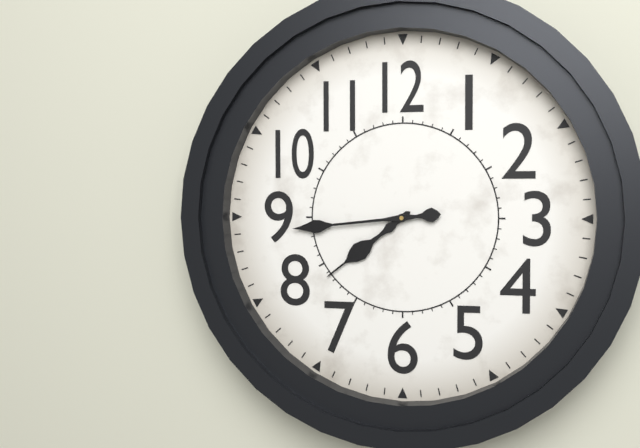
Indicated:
7 h 44 min
